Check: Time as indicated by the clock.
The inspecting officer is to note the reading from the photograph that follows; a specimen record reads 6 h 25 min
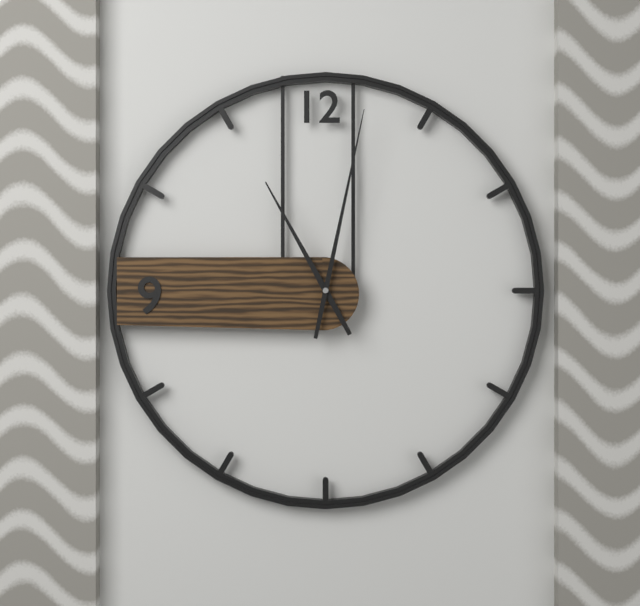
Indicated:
11 h 02 min
